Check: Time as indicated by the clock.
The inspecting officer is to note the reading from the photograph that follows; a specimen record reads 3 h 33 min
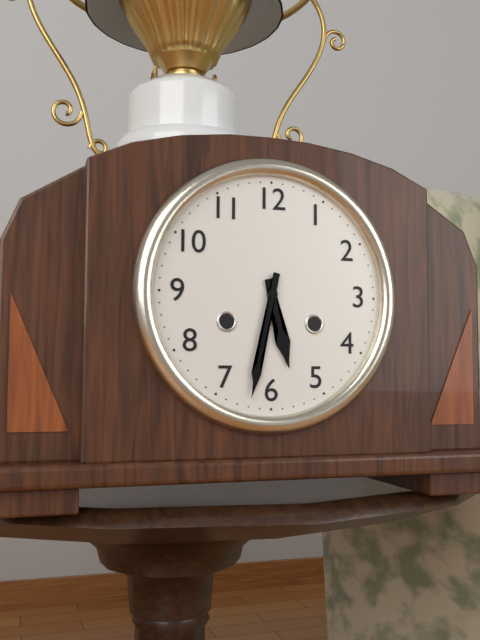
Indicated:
5 h 32 min
